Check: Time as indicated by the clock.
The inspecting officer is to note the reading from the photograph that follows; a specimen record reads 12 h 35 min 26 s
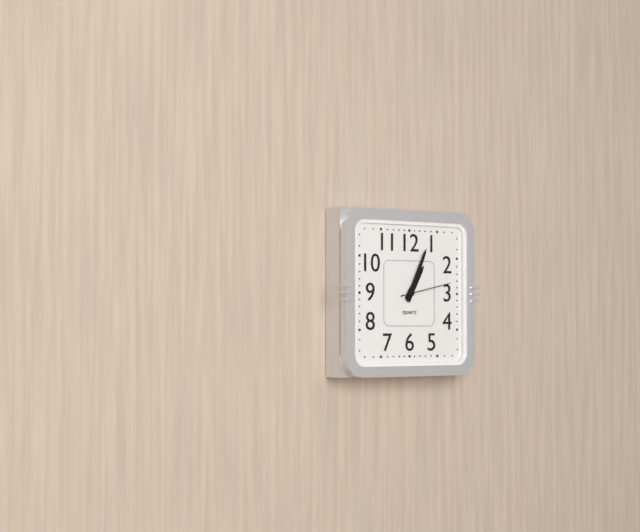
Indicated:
1 h 04 min 13 s
